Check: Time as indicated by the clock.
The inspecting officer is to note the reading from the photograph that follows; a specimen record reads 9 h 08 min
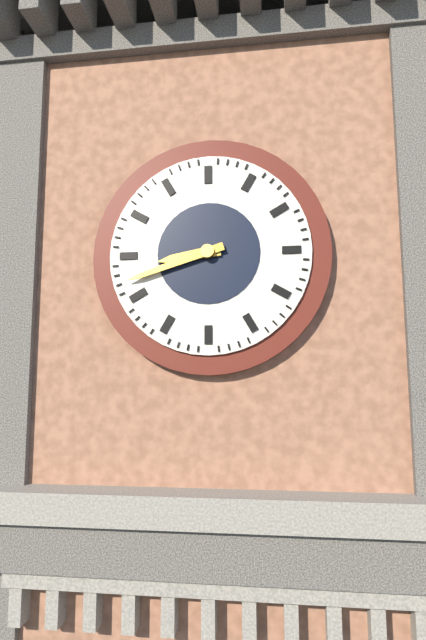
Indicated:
8 h 42 min
